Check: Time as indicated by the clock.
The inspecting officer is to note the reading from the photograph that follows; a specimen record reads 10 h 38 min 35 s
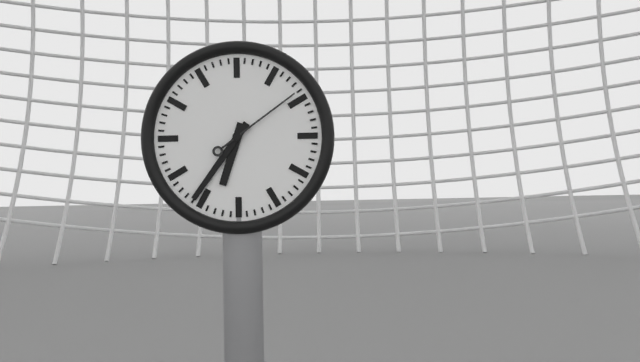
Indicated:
6 h 36 min 09 s
